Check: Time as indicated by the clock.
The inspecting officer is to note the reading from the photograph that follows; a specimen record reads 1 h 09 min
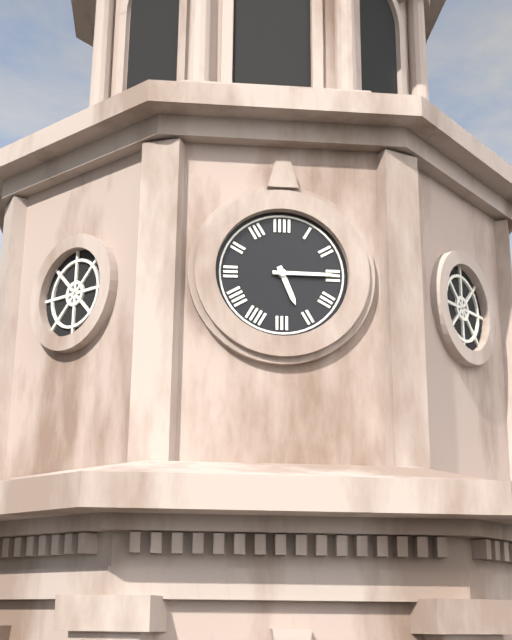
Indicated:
5 h 15 min
